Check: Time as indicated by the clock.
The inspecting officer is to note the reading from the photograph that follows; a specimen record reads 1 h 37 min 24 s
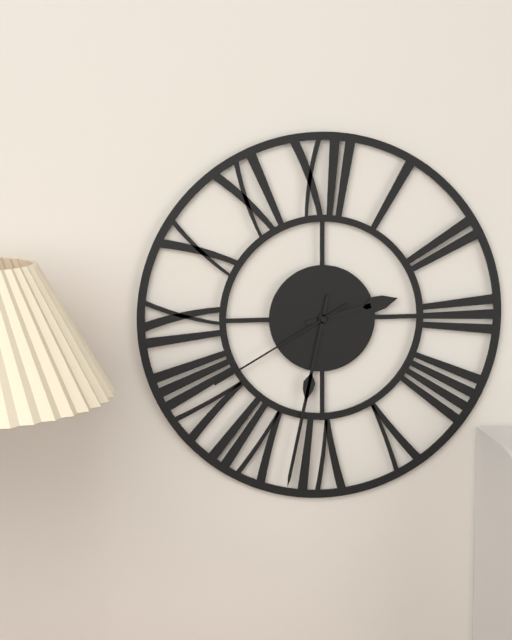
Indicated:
2 h 32 min 40 s
